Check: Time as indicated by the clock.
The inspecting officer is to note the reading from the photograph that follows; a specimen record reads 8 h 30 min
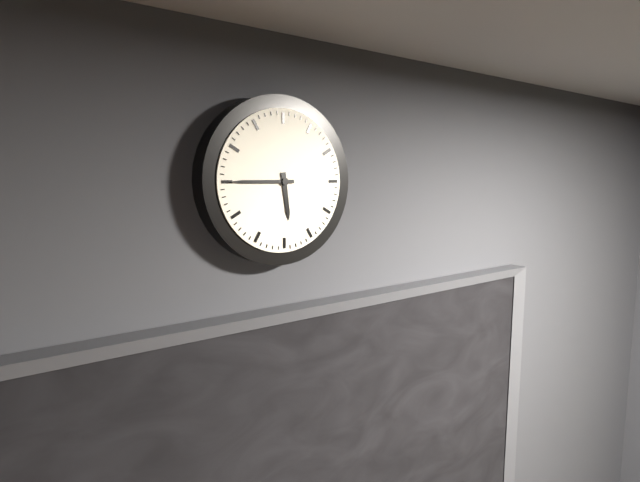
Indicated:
5 h 45 min
